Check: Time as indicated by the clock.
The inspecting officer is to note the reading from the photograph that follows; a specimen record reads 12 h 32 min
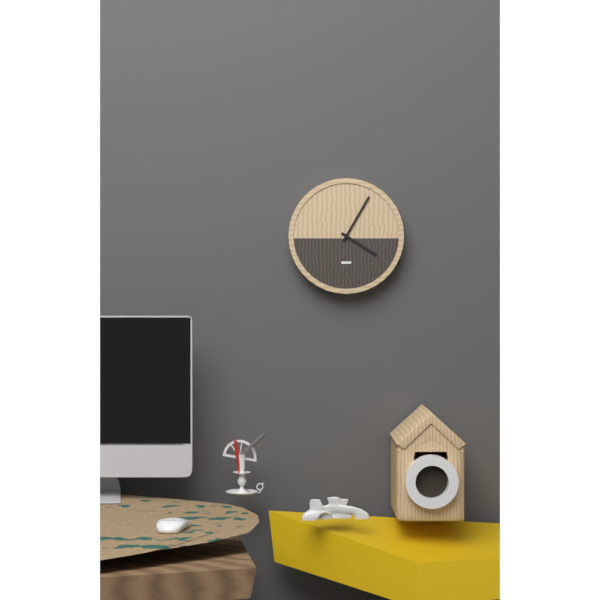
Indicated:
4 h 05 min
